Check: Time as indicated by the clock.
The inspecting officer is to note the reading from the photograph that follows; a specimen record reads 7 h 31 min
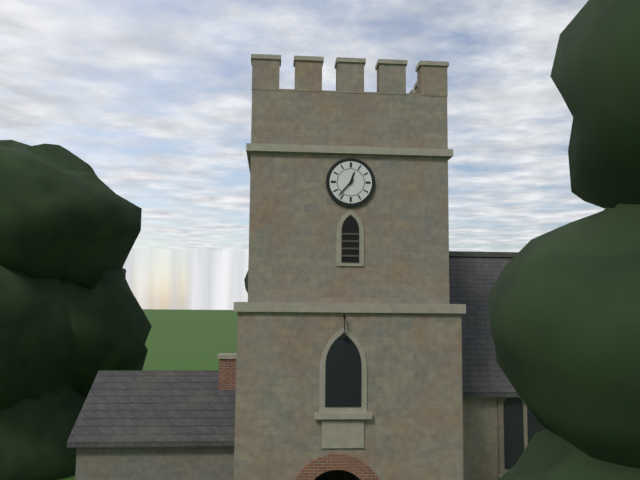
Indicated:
12 h 37 min
